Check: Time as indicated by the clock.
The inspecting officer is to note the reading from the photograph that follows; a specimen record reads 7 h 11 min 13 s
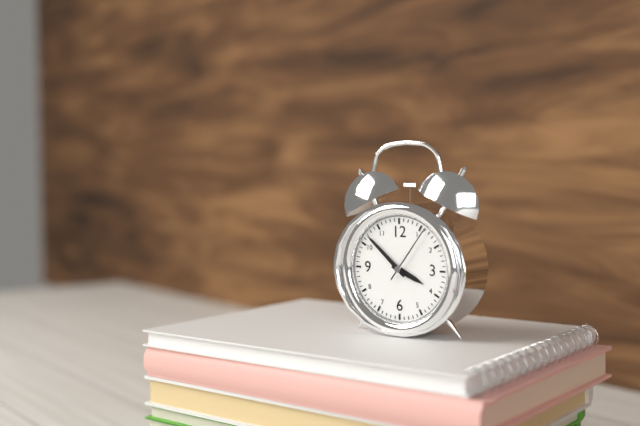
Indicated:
3 h 52 min 06 s
